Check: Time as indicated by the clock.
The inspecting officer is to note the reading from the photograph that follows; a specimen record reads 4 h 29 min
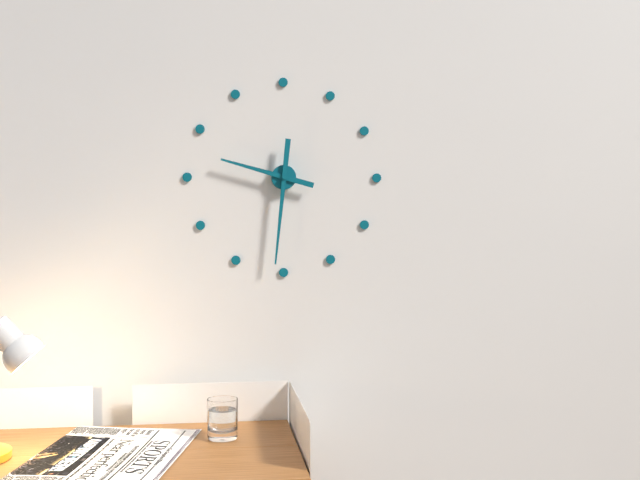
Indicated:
9 h 31 min
